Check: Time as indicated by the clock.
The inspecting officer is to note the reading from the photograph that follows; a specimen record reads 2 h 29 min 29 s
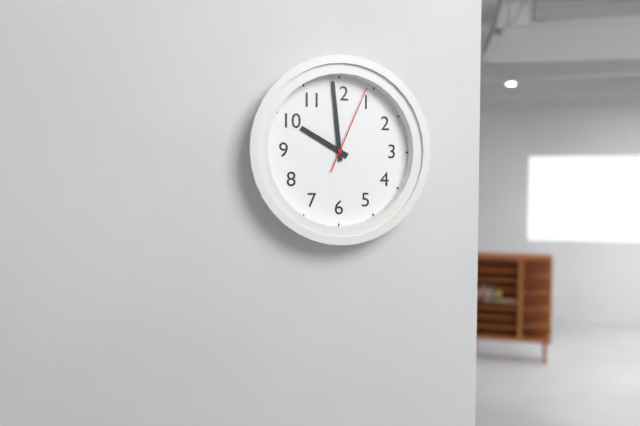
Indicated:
9 h 59 min 04 s
